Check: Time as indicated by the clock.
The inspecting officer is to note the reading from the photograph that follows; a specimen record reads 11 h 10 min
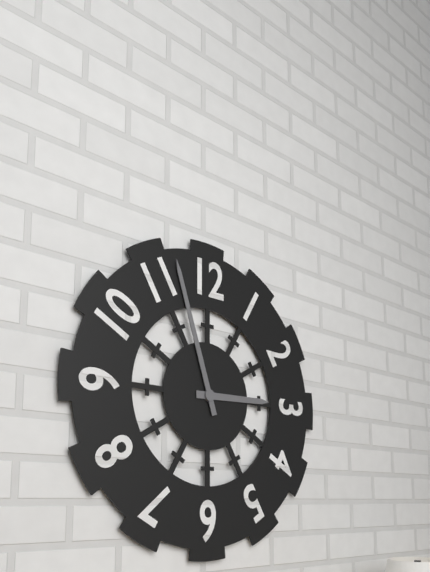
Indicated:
2 h 57 min
